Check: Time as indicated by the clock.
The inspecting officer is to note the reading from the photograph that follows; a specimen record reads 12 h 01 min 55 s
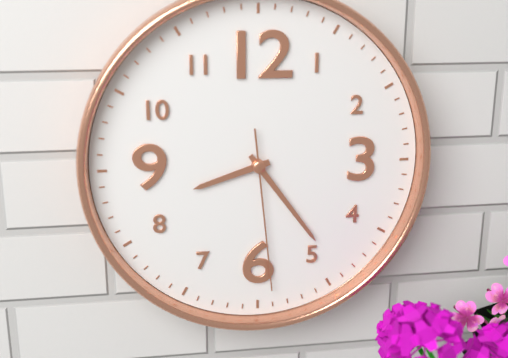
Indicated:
8 h 24 min 29 s
